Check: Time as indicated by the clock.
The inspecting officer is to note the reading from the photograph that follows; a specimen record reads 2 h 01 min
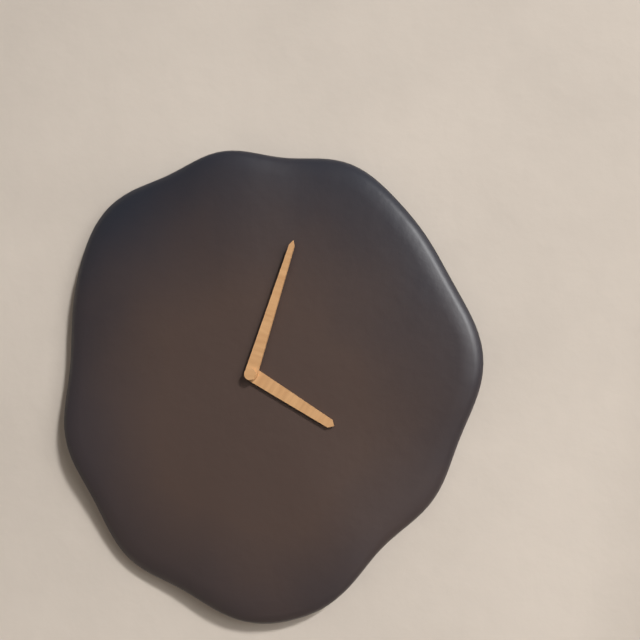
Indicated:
4 h 03 min
